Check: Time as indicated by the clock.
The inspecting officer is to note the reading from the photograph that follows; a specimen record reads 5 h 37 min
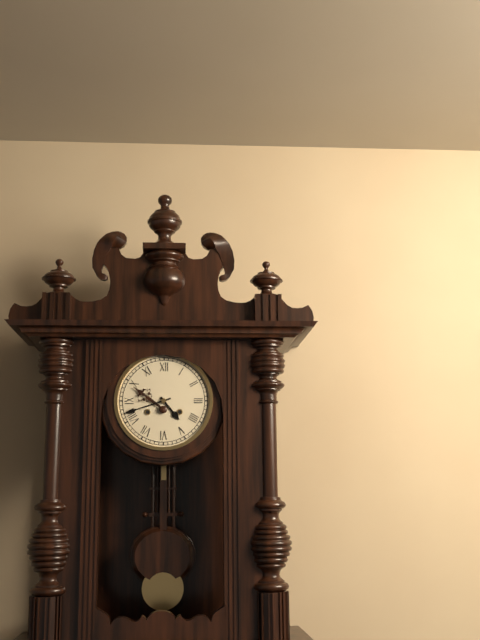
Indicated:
4 h 42 min
